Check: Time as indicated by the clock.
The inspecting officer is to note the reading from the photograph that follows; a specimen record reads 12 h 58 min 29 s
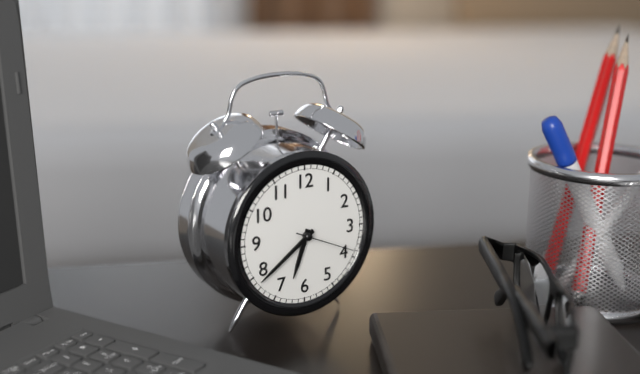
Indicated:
6 h 39 min 19 s
